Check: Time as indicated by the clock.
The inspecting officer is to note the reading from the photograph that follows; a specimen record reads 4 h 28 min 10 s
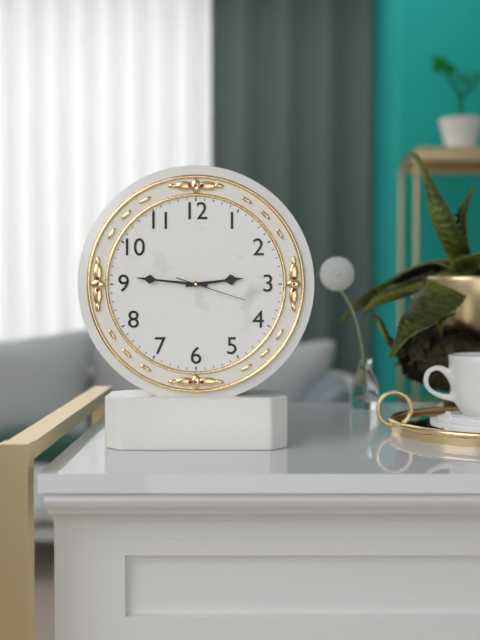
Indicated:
2 h 46 min 18 s
